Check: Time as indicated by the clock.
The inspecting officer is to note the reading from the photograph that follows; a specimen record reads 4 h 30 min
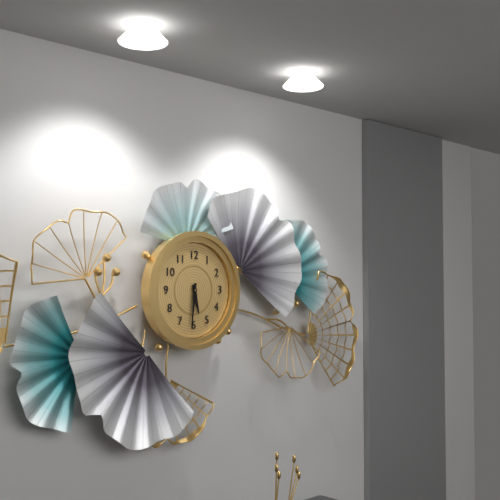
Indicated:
5 h 31 min
